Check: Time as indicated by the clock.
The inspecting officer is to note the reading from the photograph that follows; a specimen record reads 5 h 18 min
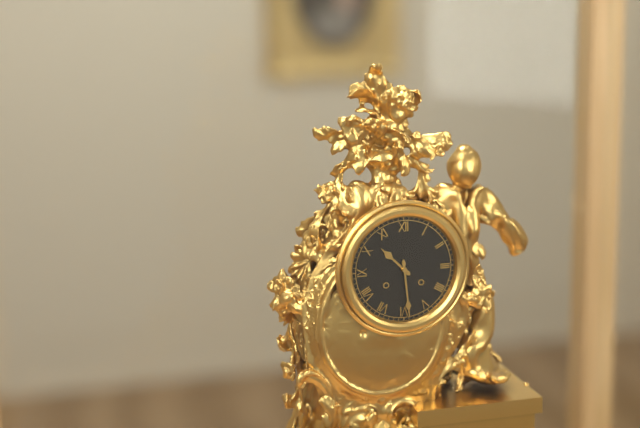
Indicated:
10 h 29 min
